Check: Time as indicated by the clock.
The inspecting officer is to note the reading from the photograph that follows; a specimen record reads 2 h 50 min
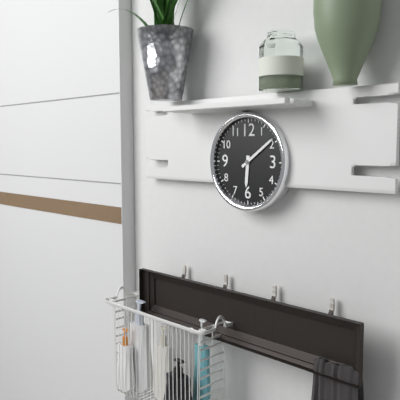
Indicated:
6 h 09 min
